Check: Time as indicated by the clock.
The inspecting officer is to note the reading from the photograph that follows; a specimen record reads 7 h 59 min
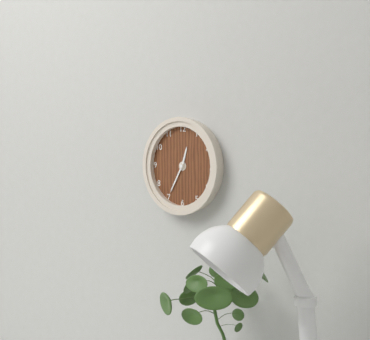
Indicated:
12 h 35 min
